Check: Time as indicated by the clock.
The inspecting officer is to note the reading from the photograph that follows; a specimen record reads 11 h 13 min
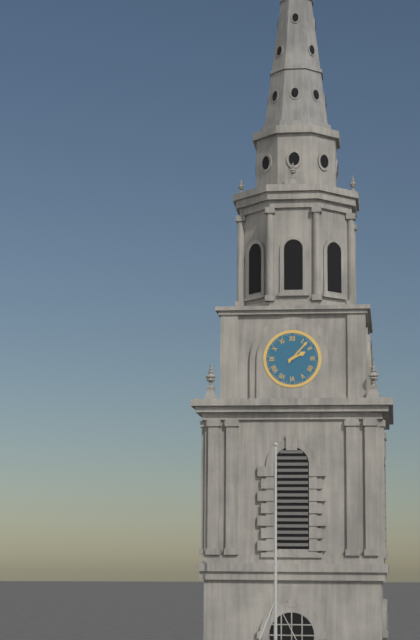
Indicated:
2 h 07 min
